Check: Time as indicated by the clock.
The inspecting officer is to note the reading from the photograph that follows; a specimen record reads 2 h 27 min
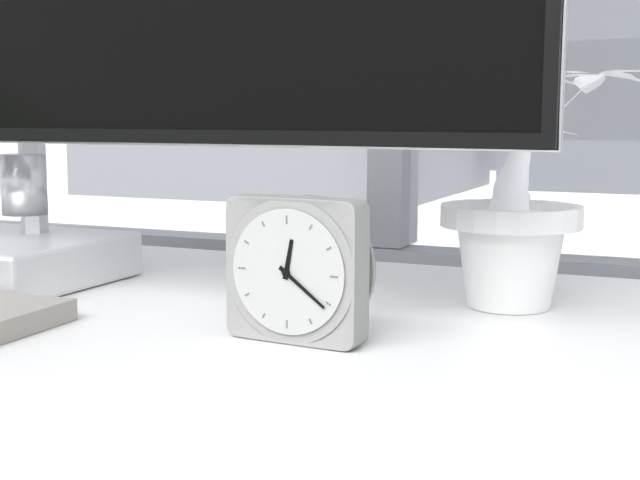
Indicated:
12 h 21 min
